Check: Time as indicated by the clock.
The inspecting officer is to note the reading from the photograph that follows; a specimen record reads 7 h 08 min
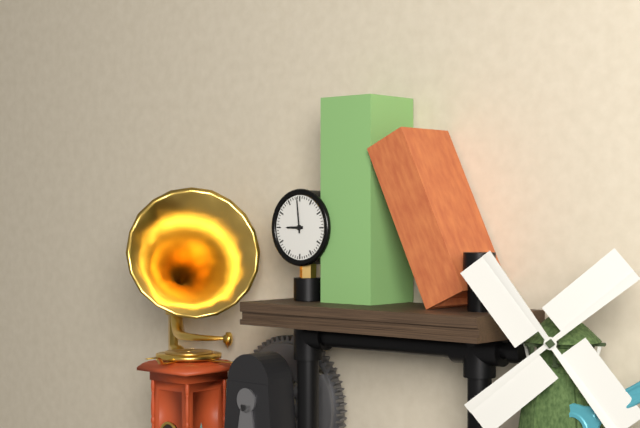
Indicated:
8 h 59 min
